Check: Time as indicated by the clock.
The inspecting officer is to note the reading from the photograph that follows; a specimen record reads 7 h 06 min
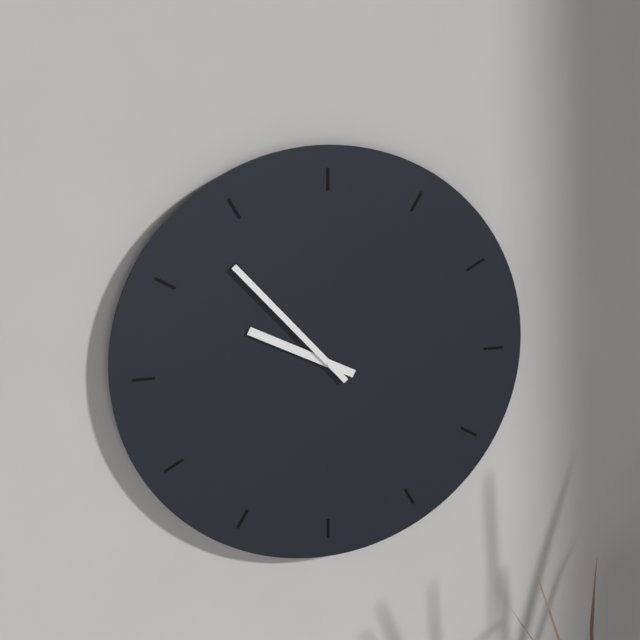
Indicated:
9 h 53 min
